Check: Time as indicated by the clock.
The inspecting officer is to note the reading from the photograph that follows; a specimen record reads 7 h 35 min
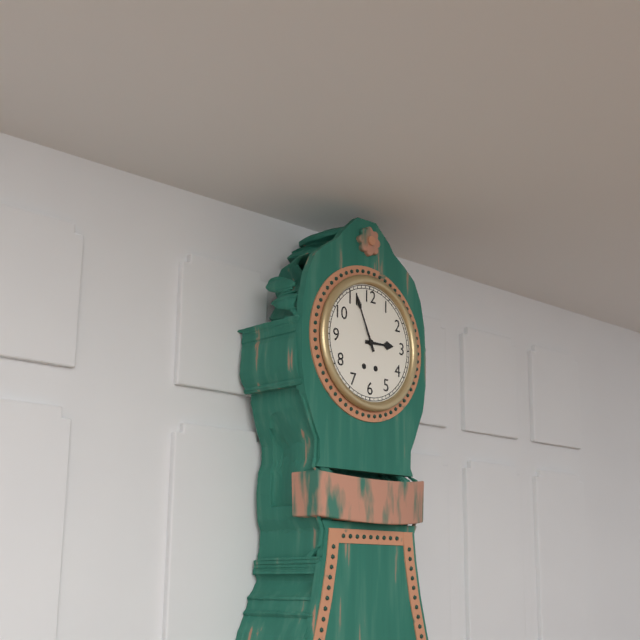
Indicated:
2 h 56 min
